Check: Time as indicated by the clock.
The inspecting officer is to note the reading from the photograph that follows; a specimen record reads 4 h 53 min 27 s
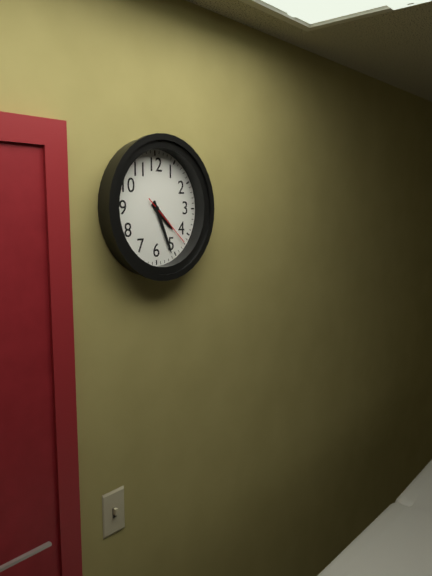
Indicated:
4 h 26 min 22 s
